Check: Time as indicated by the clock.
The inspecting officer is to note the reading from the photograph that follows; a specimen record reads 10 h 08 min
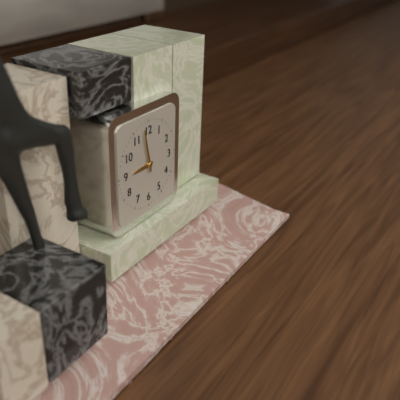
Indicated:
8 h 58 min
